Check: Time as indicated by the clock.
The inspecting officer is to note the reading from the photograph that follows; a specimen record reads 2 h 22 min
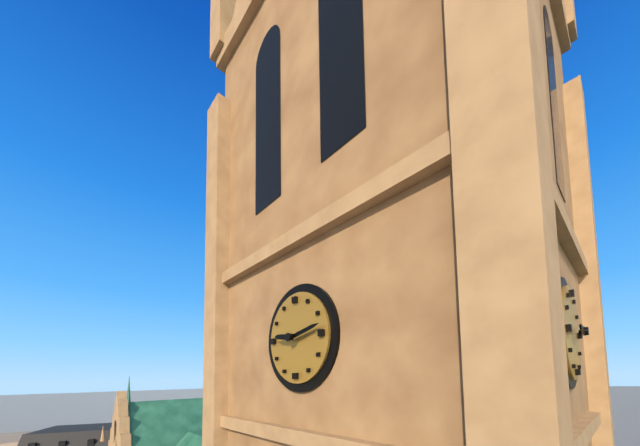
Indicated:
9 h 13 min
